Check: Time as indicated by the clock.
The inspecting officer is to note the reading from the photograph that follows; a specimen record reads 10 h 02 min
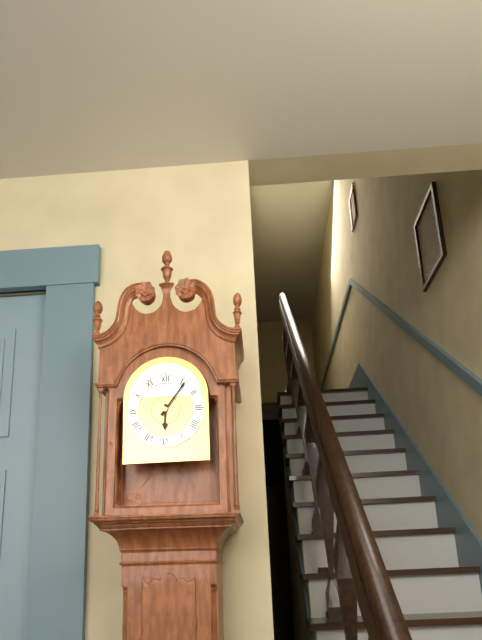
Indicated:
6 h 06 min
